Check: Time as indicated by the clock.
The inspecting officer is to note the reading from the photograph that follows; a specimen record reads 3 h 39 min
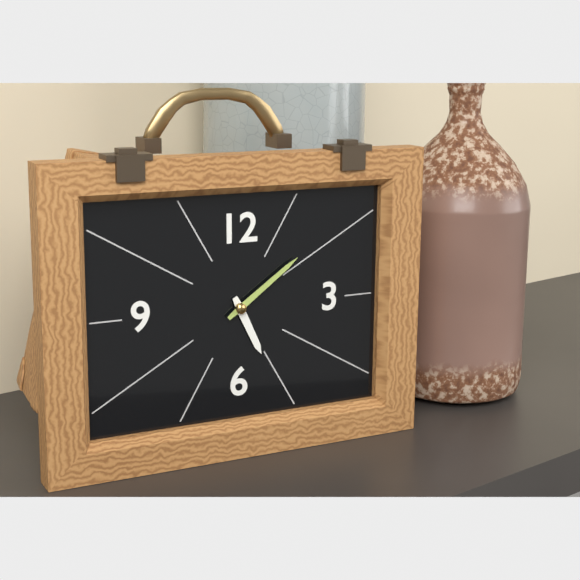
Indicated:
5 h 09 min
